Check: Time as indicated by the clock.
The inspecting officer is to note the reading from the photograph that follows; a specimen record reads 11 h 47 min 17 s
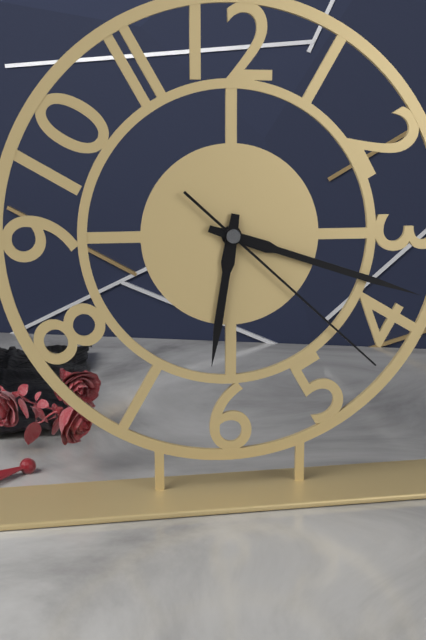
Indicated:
6 h 18 min 22 s
